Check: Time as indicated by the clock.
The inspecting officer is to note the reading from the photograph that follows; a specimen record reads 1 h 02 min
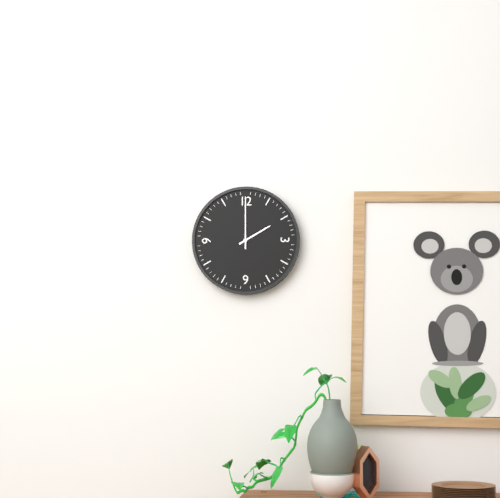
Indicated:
2 h 00 min
